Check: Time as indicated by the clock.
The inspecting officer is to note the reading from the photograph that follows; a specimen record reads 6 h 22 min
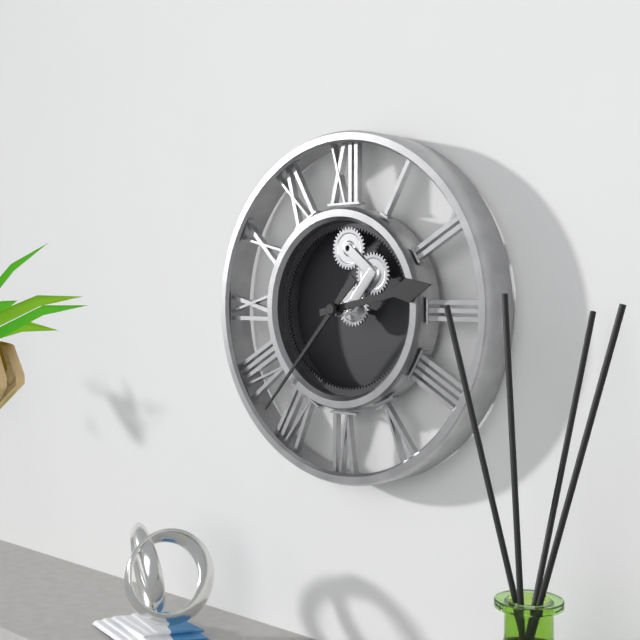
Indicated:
2 h 37 min
